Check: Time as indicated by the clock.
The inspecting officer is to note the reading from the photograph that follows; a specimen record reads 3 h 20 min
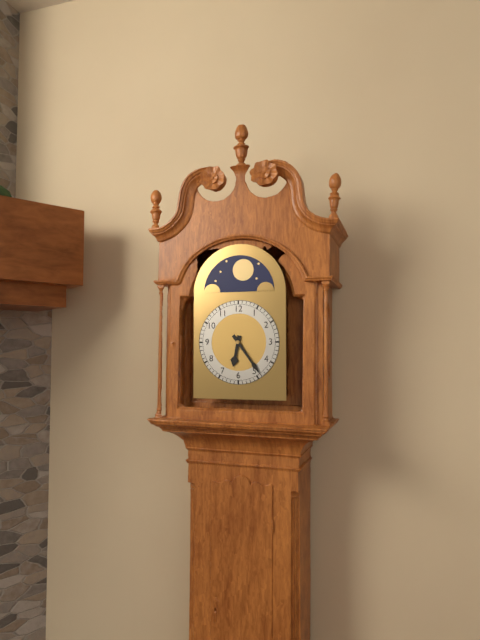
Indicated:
6 h 24 min
